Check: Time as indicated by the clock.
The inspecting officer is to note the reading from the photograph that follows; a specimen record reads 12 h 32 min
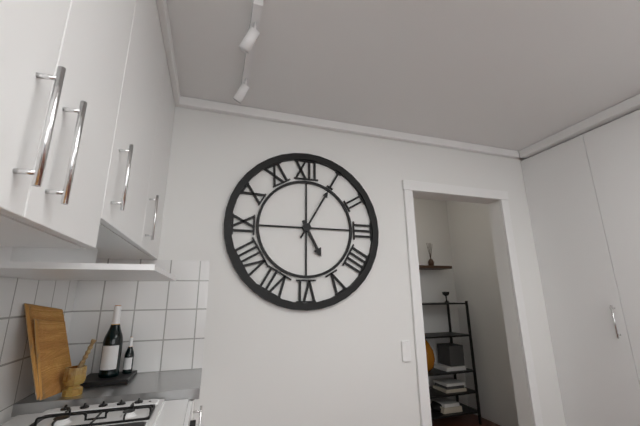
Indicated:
5 h 05 min
